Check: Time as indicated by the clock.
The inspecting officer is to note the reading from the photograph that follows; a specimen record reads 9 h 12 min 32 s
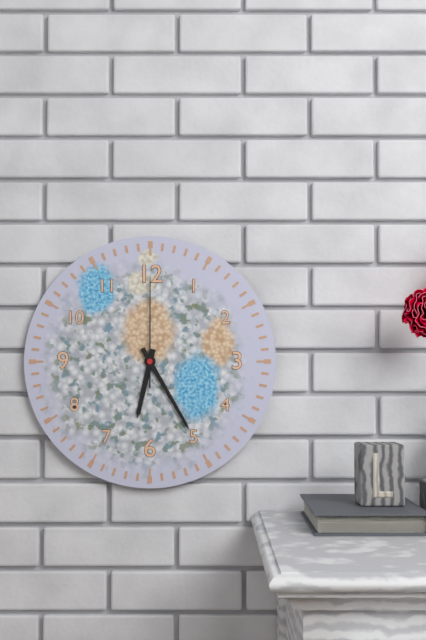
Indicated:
6 h 25 min 00 s
